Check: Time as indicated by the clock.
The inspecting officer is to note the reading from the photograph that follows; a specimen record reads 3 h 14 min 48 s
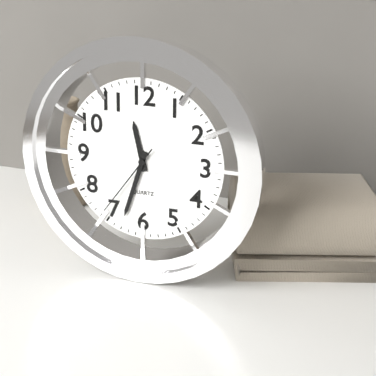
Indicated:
11 h 33 min 36 s
